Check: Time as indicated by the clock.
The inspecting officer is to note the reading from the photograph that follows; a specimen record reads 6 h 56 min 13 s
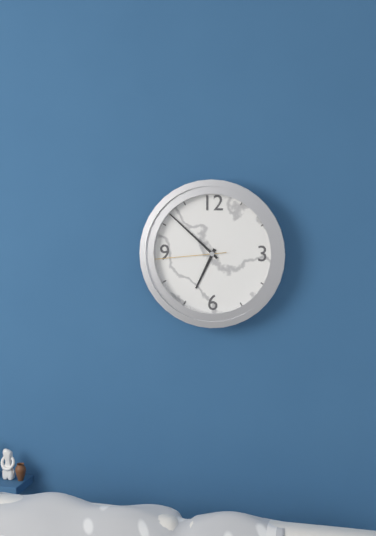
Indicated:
6 h 52 min 44 s
